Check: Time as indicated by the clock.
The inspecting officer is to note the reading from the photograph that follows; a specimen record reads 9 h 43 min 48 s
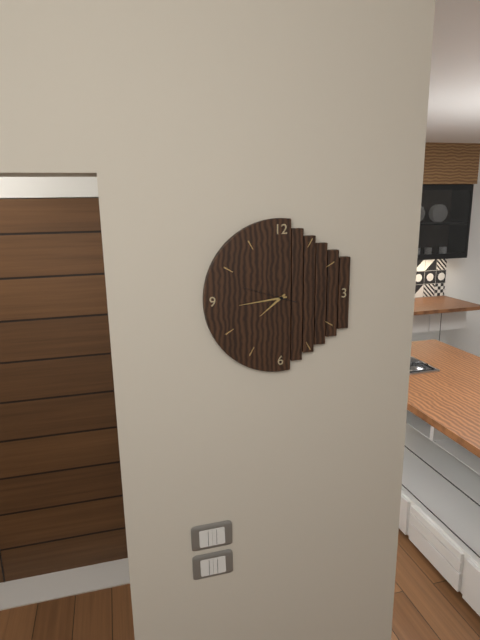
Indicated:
7 h 44 min 48 s
